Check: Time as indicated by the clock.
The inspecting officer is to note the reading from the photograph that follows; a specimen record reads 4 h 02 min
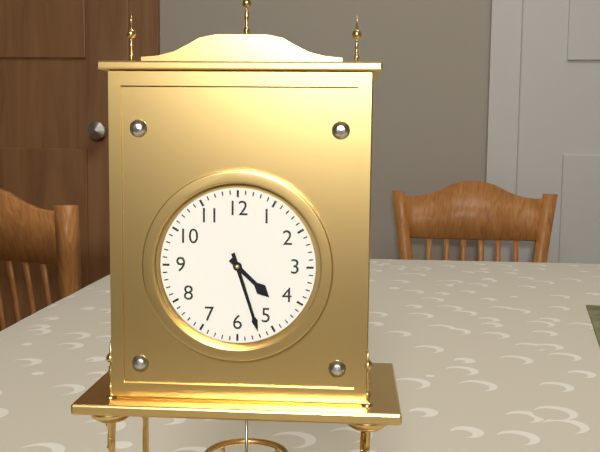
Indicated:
4 h 27 min
